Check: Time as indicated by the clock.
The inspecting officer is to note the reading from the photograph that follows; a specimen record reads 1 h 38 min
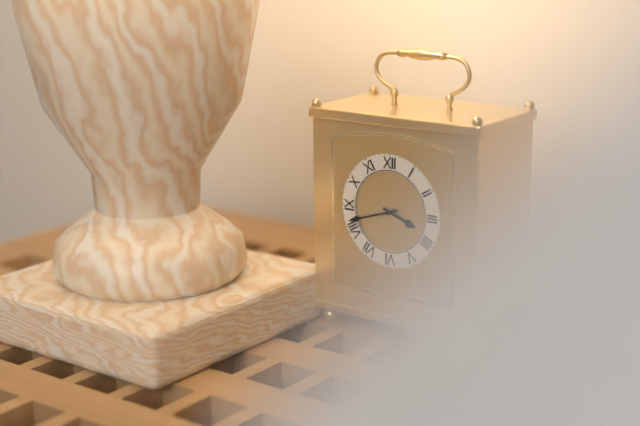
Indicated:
3 h 42 min
